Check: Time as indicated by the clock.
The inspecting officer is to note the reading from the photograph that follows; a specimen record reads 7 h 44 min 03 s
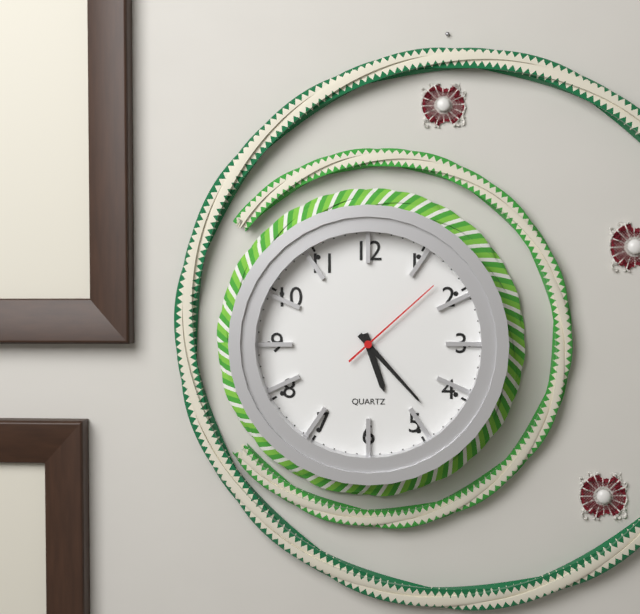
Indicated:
5 h 23 min 08 s
